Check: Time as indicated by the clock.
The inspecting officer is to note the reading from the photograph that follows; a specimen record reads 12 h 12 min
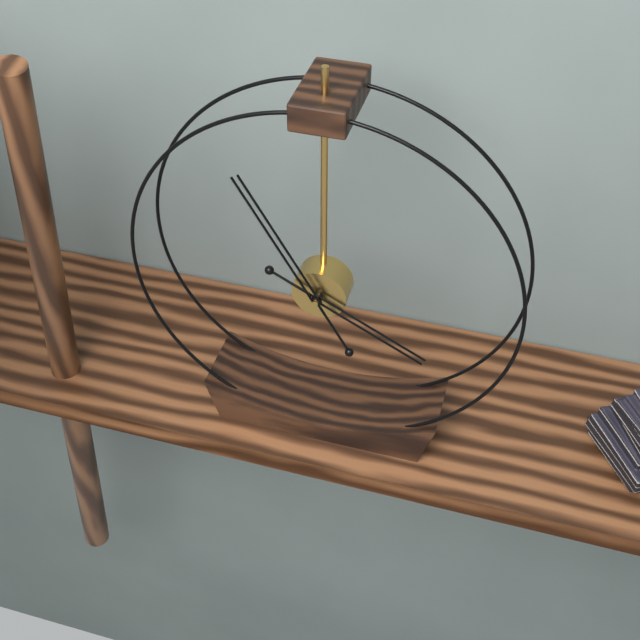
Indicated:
3 h 55 min
